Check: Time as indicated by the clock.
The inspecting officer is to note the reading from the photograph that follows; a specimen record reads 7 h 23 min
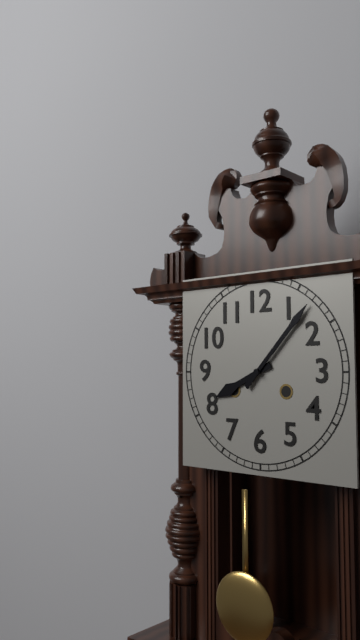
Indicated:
8 h 07 min
